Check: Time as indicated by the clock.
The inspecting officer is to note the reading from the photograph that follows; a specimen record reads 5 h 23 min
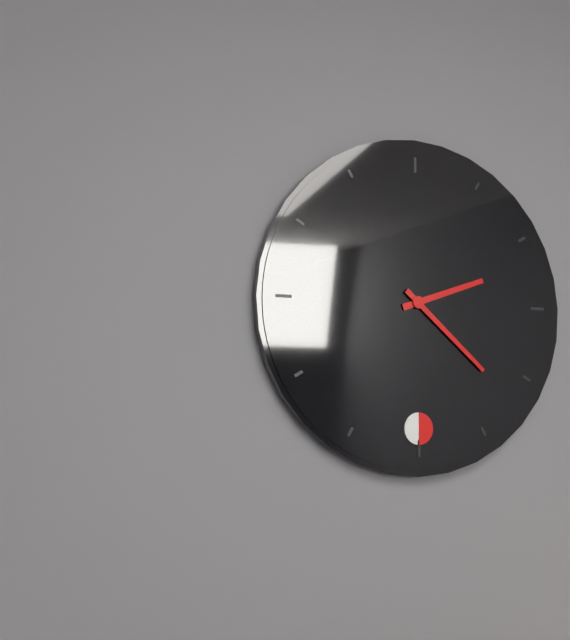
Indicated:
2 h 22 min
